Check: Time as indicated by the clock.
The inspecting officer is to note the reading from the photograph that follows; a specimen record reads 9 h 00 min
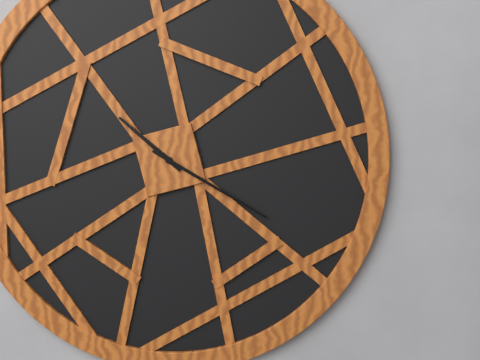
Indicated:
10 h 20 min
